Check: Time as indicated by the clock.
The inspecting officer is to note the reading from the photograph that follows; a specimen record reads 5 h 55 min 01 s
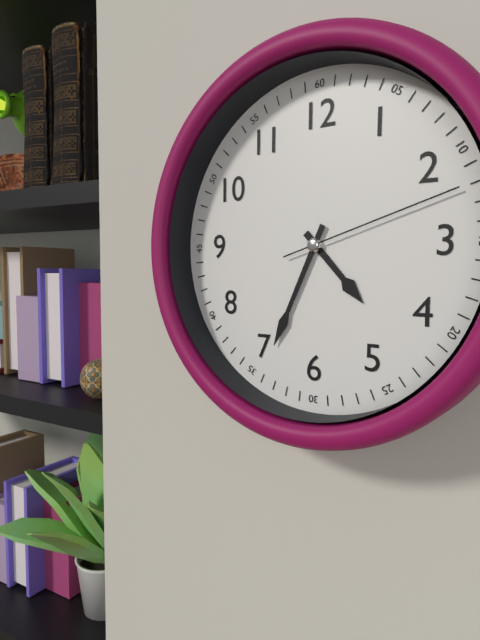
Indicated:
4 h 34 min 12 s
